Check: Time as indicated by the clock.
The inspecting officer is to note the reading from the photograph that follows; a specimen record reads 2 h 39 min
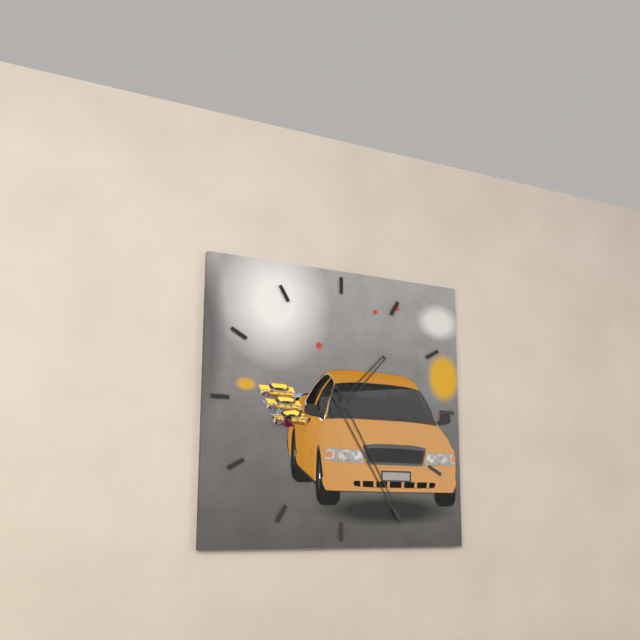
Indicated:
1 h 25 min
